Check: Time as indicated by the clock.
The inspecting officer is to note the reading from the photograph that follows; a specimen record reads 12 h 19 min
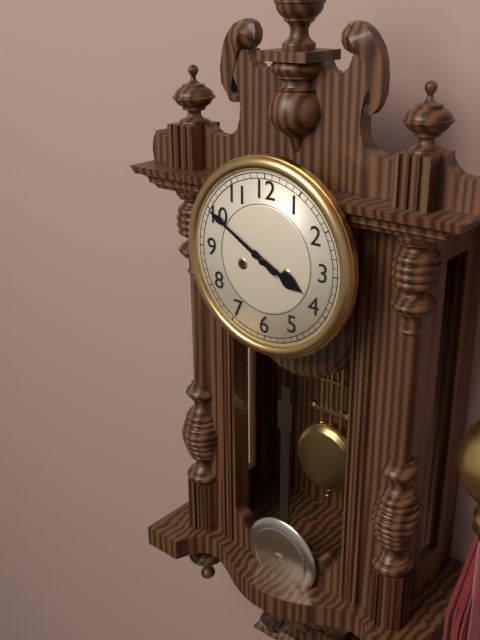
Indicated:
3 h 50 min
